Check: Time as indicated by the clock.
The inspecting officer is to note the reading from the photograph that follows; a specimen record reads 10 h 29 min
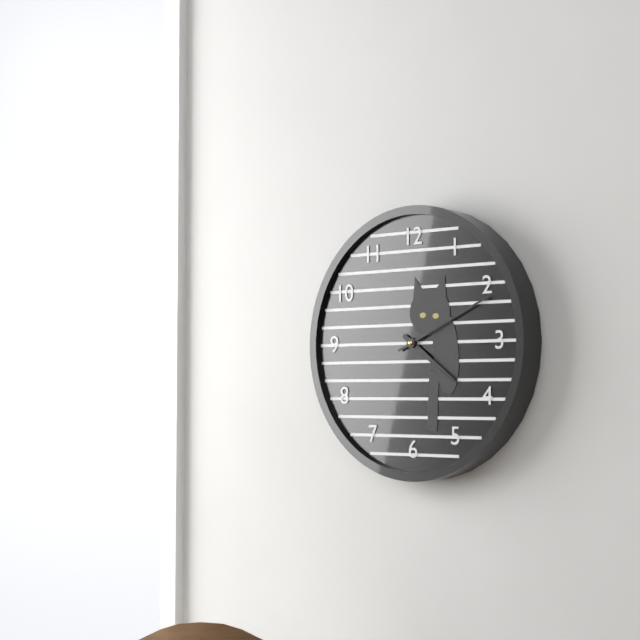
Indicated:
4 h 11 min
